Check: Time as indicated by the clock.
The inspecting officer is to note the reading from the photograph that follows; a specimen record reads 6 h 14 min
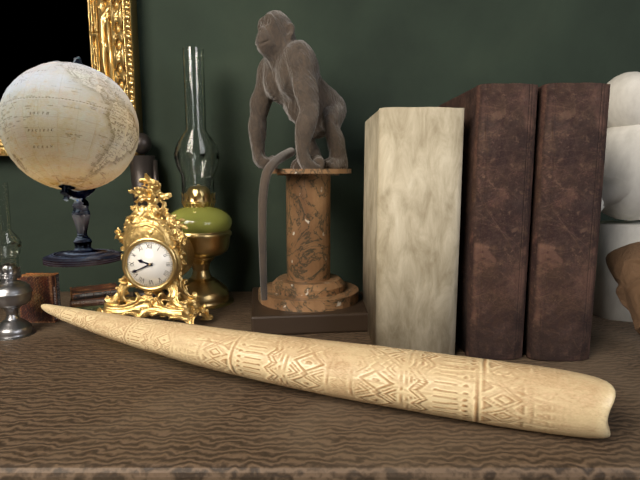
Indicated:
9 h 41 min
